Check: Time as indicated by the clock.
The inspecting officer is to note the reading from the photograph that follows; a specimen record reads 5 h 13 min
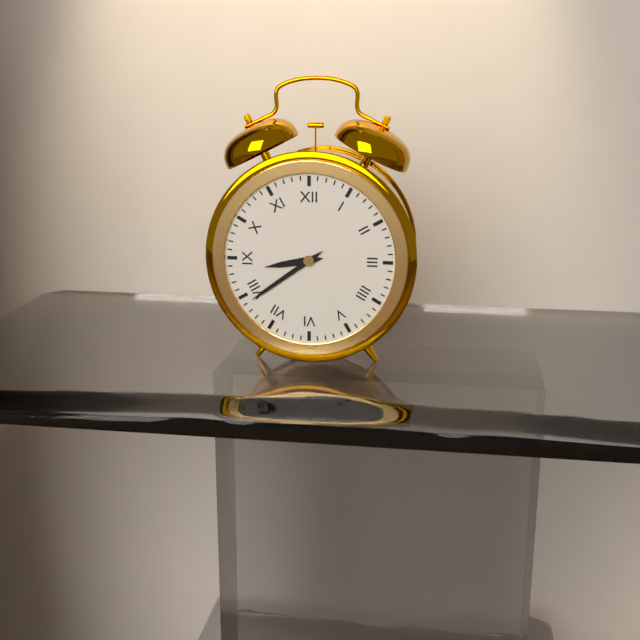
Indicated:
8 h 39 min
